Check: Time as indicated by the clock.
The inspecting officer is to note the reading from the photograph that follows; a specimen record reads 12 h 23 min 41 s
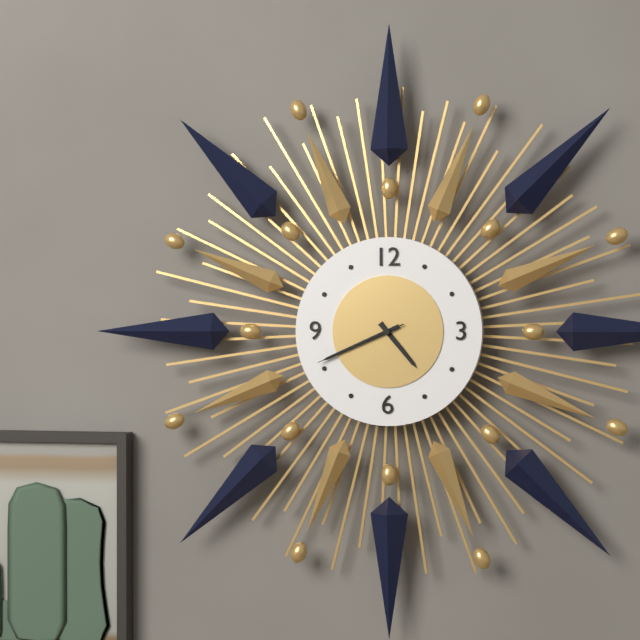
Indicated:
4 h 41 min 41 s
